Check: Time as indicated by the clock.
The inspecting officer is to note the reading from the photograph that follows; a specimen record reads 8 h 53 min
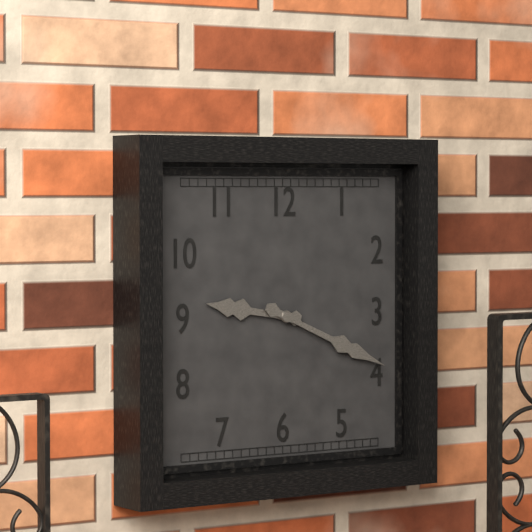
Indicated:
9 h 19 min
